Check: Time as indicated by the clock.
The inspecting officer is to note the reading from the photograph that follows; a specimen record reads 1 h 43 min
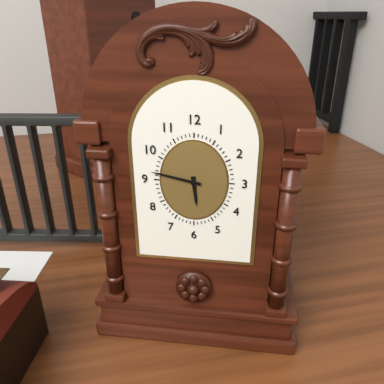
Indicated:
5 h 47 min
